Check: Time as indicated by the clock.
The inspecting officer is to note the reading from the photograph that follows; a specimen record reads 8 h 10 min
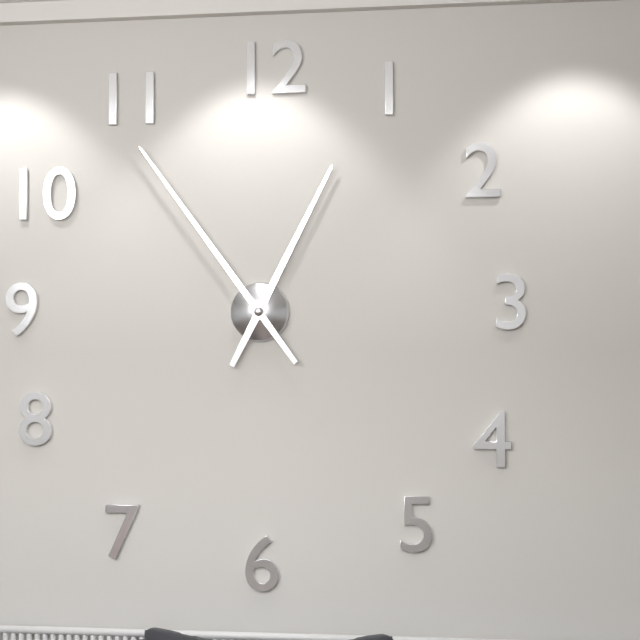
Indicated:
12 h 54 min
